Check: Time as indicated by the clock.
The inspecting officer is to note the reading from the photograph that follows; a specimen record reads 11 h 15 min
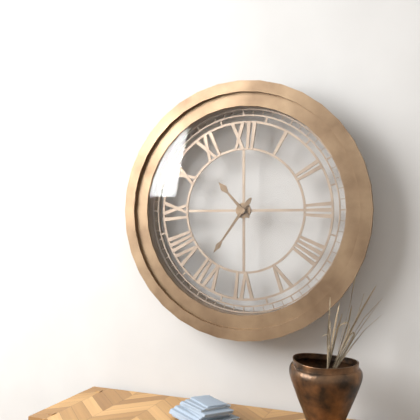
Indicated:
10 h 36 min
